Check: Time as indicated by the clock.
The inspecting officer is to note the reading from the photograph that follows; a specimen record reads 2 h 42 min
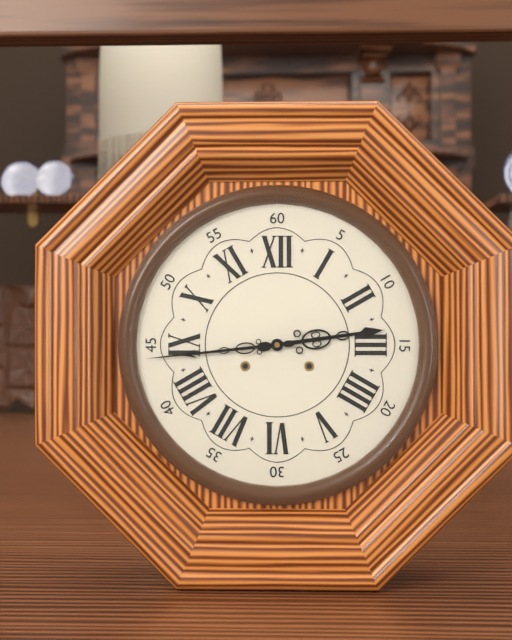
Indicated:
2 h 44 min
